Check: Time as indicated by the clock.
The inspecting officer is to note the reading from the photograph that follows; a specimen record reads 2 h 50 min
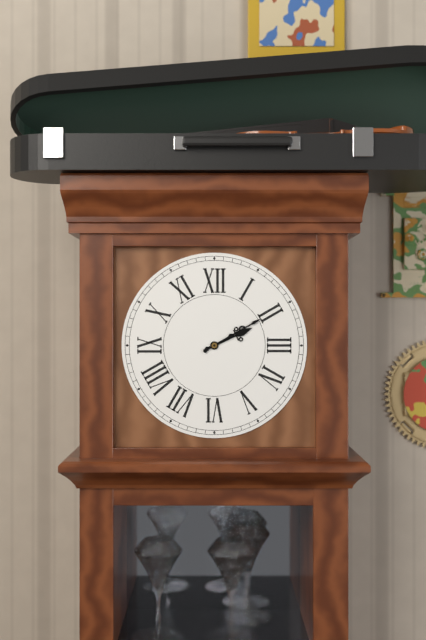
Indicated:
2 h 10 min
